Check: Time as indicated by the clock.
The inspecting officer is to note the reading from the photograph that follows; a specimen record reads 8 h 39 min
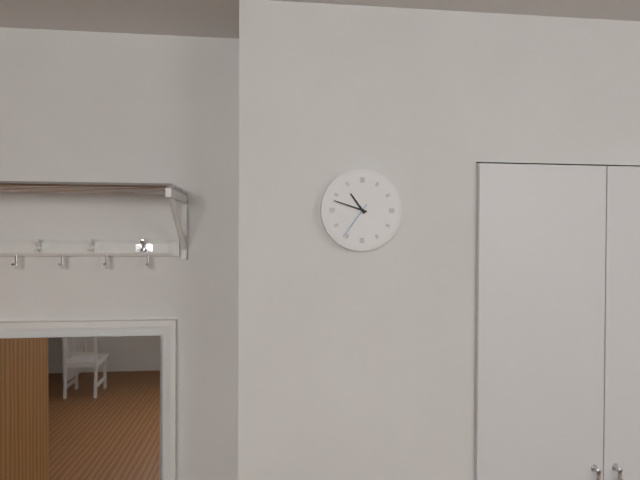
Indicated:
10 h 48 min
